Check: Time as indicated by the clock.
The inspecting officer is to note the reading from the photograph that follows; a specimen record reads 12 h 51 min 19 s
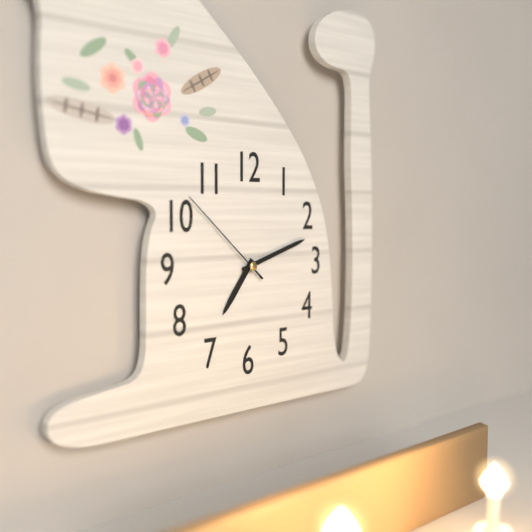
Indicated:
7 h 12 min 52 s
